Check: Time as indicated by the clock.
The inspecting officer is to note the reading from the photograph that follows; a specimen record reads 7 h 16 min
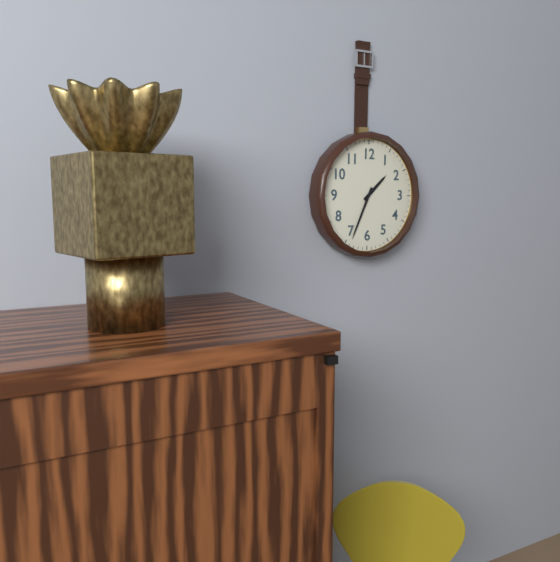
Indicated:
1 h 34 min
